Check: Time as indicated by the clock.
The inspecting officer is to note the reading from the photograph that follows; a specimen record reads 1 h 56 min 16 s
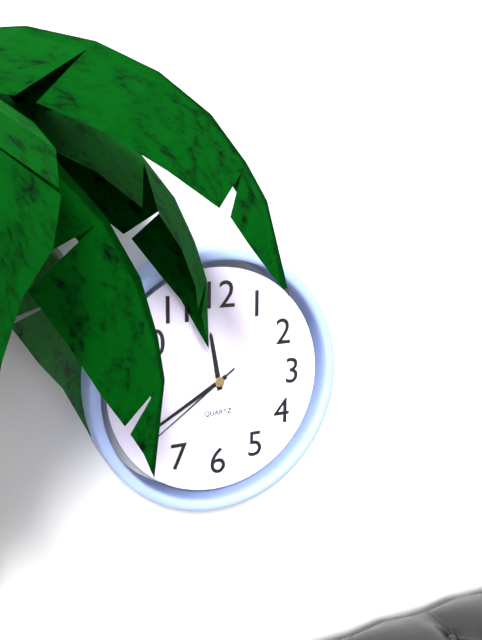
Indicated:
11 h 40 min 39 s
